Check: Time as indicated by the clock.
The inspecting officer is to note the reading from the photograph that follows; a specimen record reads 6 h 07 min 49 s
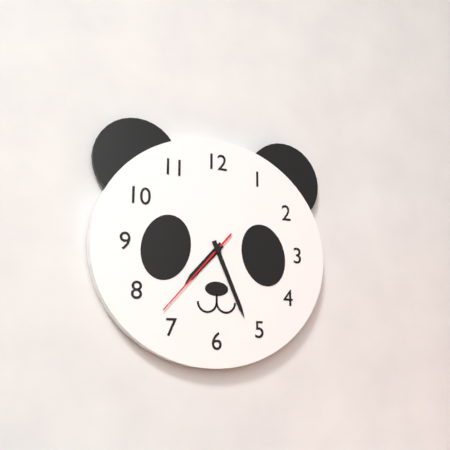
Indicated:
7 h 26 min 37 s
